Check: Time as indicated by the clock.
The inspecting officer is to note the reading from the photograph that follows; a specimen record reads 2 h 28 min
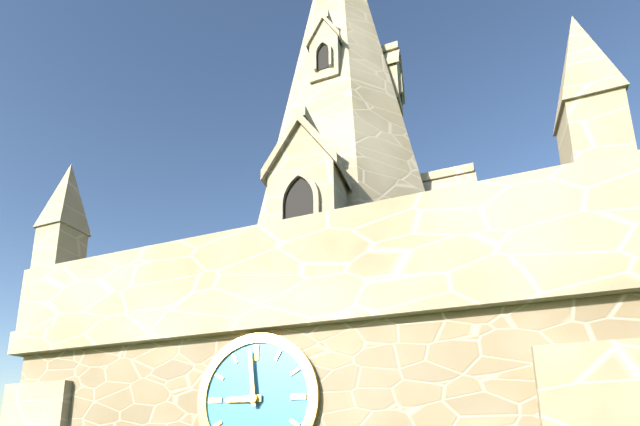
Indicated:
8 h 59 min
